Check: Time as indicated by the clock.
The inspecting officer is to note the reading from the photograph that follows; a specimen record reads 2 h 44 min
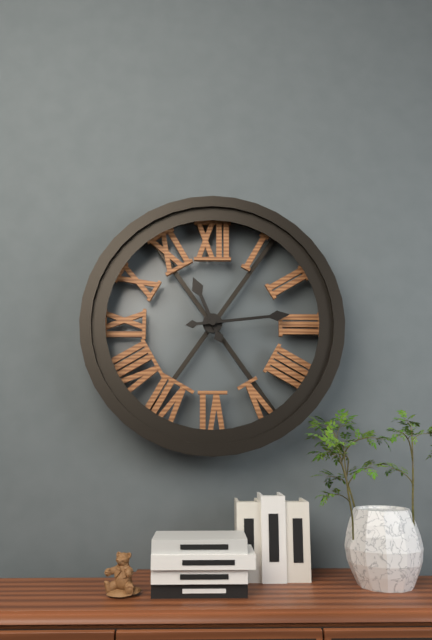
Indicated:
11 h 14 min
